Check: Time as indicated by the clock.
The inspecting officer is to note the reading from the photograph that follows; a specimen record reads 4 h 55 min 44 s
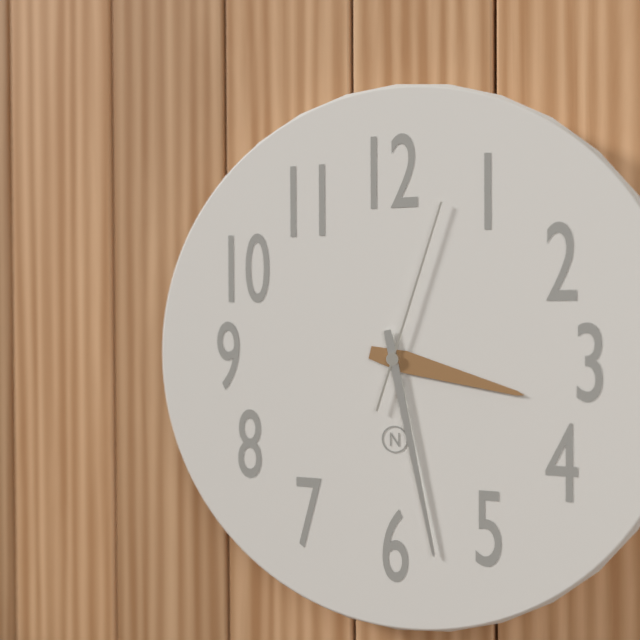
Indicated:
3 h 28 min 03 s
